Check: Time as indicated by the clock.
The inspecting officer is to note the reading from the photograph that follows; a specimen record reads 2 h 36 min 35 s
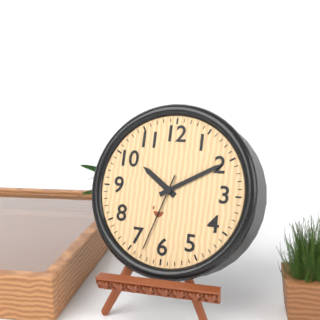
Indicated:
10 h 10 min 33 s
